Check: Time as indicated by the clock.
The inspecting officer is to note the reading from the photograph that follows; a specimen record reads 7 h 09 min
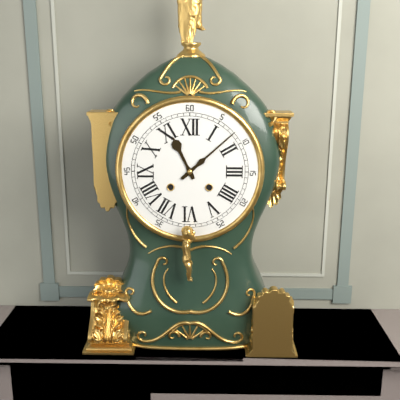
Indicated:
11 h 08 min
